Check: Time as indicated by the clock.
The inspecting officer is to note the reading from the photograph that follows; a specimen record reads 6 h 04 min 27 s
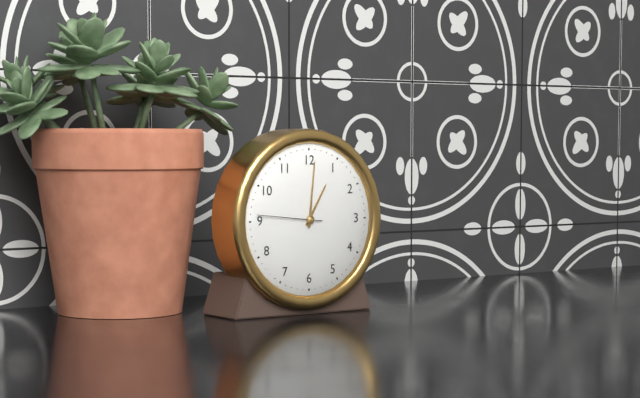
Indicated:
1 h 01 min 46 s
